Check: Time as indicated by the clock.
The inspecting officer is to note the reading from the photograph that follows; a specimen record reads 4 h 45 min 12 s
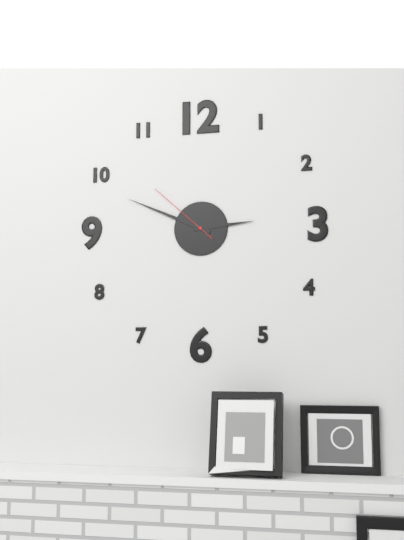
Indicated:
2 h 49 min 52 s
